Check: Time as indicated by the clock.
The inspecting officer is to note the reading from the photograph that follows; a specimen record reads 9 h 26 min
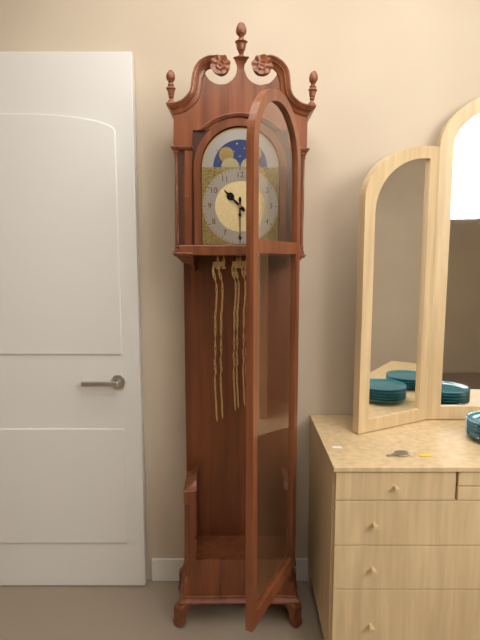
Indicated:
10 h 30 min
